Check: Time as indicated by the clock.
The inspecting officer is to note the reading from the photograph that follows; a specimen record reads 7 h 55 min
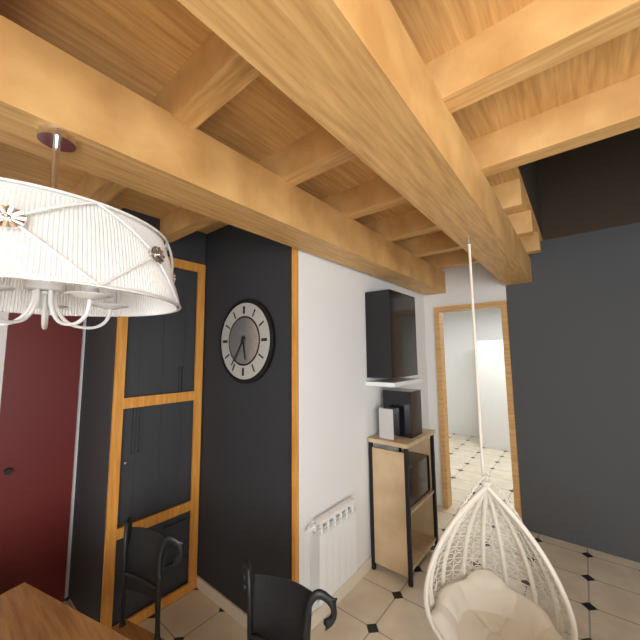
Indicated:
5 h 36 min
